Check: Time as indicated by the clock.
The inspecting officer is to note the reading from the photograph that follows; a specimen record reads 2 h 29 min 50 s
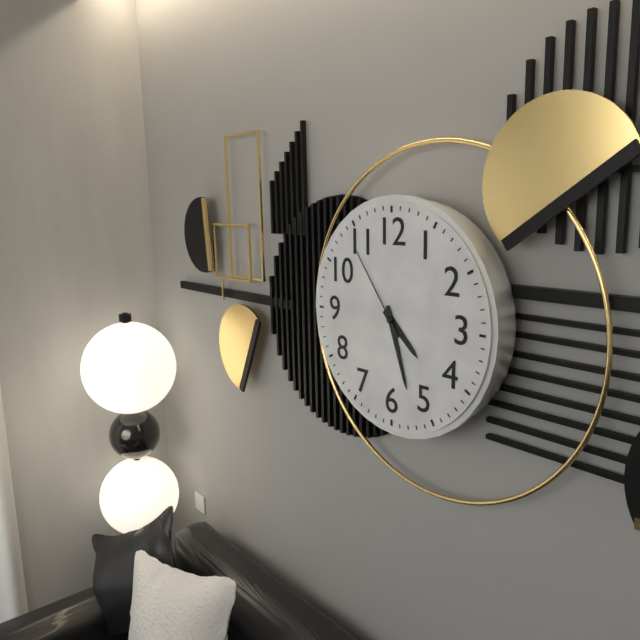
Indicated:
4 h 27 min 54 s
